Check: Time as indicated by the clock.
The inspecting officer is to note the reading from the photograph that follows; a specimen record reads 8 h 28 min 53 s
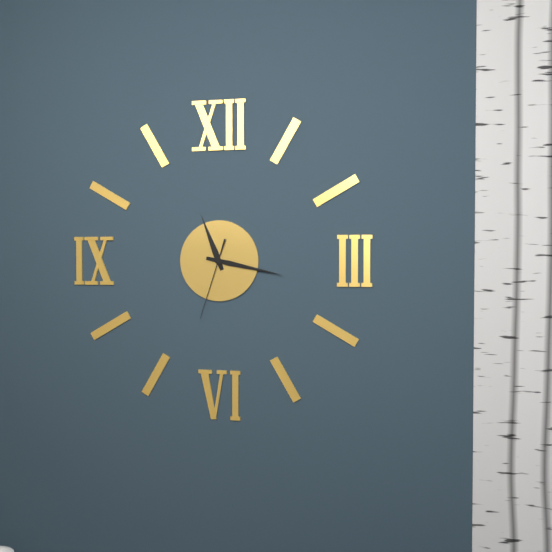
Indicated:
11 h 17 min 33 s
